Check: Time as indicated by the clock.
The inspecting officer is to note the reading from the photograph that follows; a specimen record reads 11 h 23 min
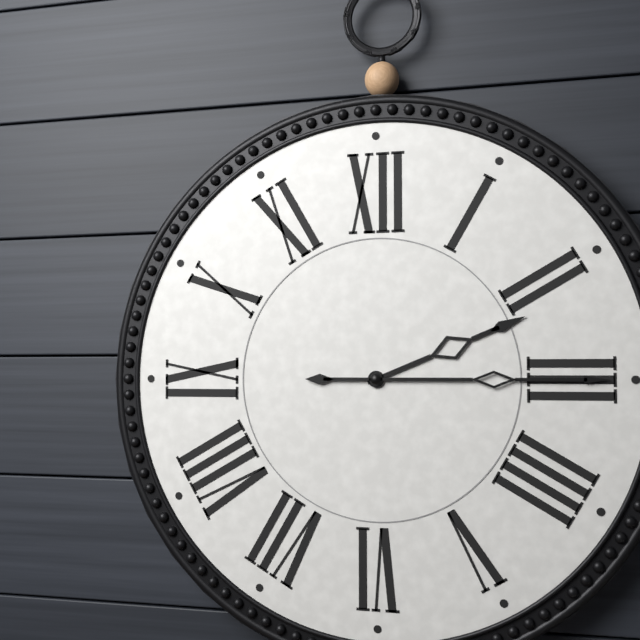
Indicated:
2 h 15 min
